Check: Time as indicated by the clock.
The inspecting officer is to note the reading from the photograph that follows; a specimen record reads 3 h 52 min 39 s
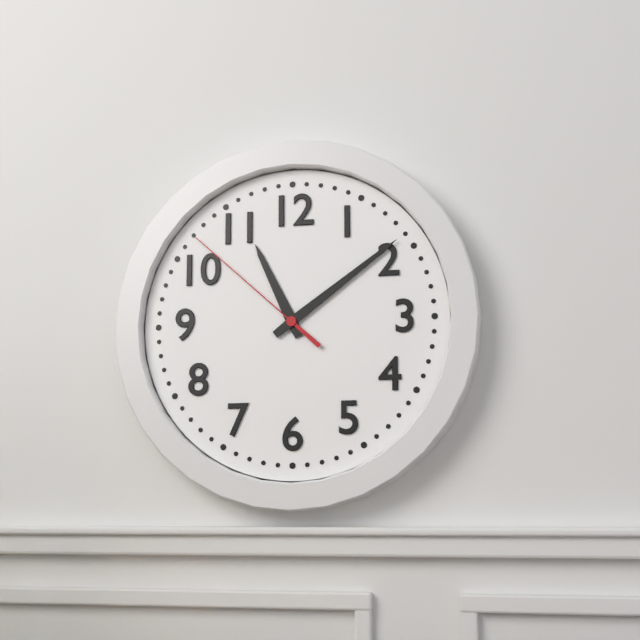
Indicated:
11 h 09 min 52 s
